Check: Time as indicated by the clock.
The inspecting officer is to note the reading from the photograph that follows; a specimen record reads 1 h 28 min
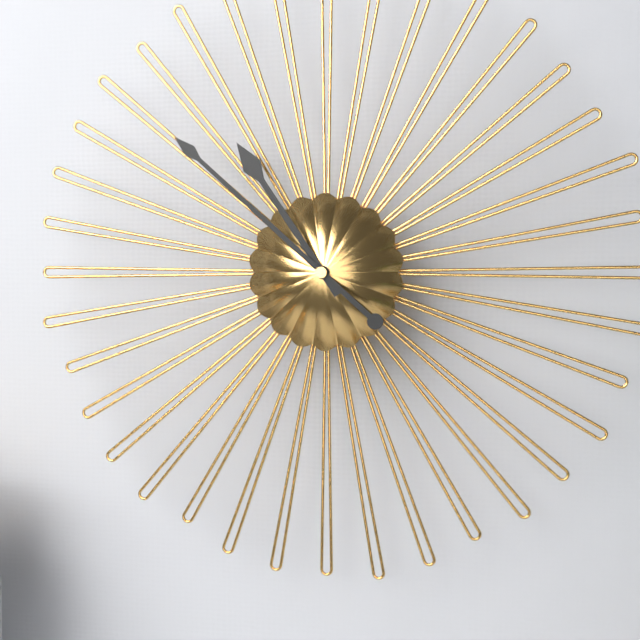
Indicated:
10 h 52 min
